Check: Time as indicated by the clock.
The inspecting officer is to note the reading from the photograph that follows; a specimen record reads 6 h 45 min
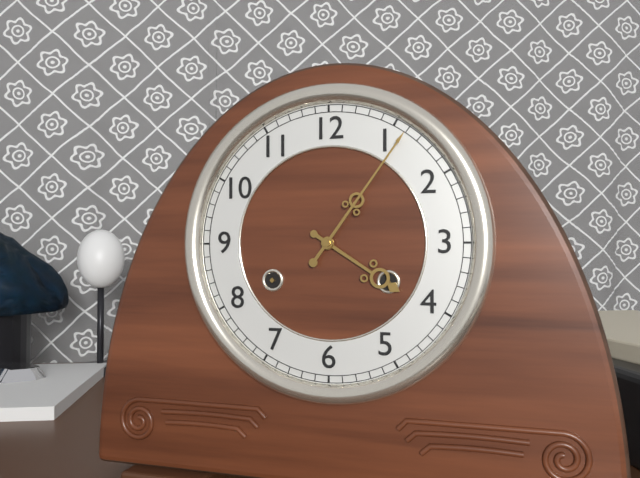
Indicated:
4 h 06 min
